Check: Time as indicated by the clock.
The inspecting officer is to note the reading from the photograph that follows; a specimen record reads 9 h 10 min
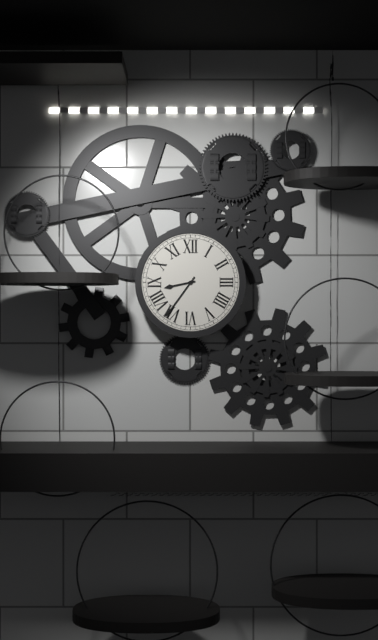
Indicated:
8 h 36 min
